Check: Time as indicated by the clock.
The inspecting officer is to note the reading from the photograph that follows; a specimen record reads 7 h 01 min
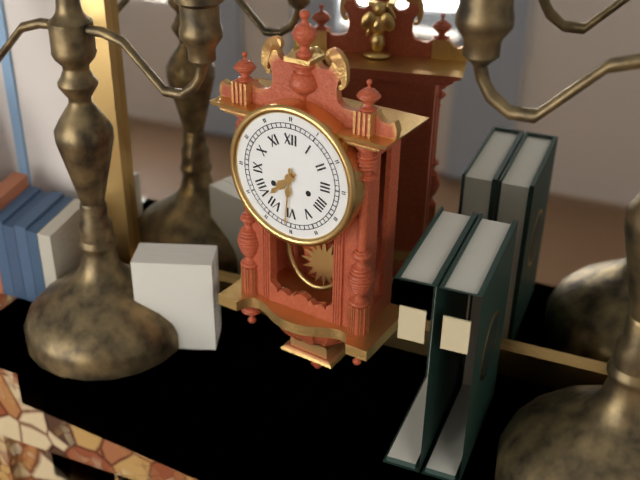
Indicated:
7 h 31 min
